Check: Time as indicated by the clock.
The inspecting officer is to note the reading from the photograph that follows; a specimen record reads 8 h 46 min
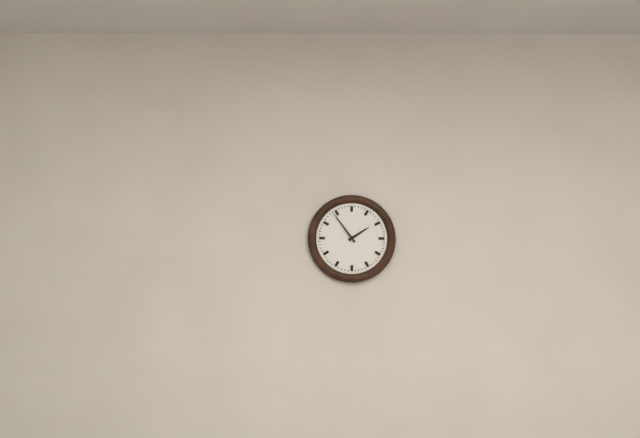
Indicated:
1 h 54 min
